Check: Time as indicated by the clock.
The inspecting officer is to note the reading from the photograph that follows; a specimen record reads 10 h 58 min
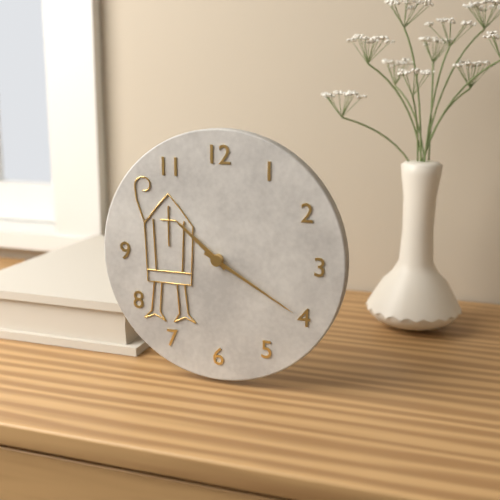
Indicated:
10 h 20 min
